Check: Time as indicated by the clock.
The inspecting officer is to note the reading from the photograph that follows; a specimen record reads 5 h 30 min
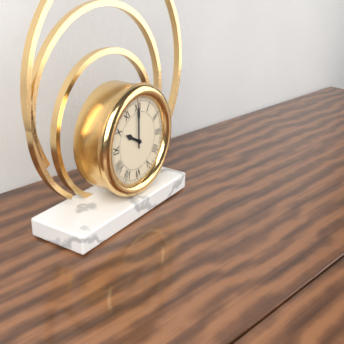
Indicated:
10 h 00 min
